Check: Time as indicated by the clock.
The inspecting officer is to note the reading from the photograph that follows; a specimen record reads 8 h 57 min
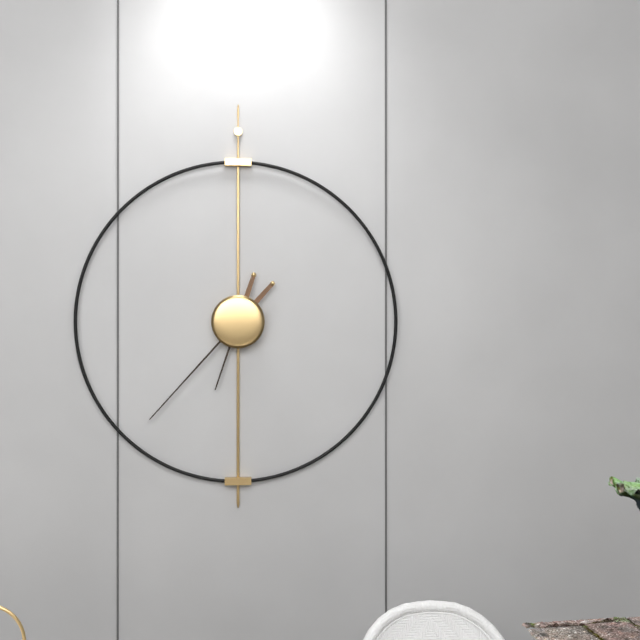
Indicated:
6 h 37 min
